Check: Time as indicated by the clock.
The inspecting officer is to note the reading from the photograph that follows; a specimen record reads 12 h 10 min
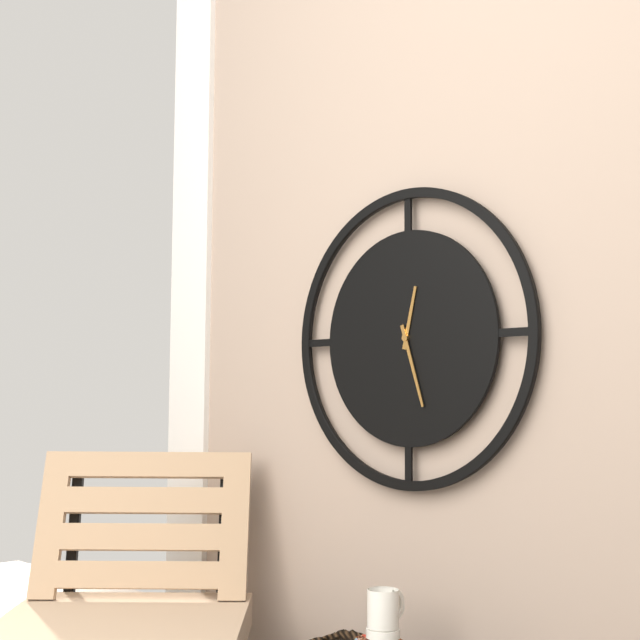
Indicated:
12 h 27 min
